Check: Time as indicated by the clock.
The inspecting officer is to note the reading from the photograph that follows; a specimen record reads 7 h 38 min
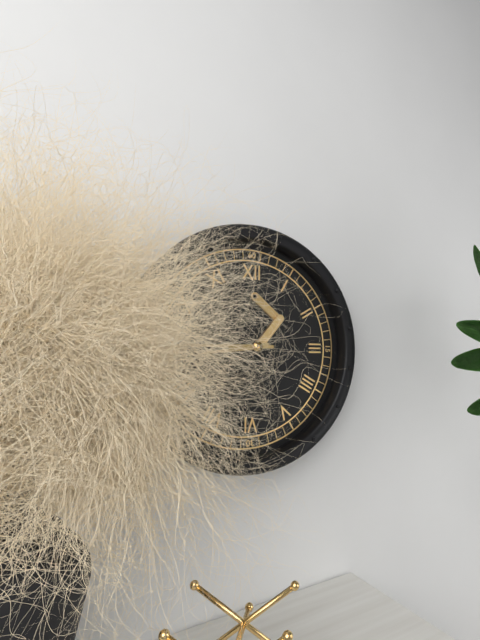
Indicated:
8 h 45 min
